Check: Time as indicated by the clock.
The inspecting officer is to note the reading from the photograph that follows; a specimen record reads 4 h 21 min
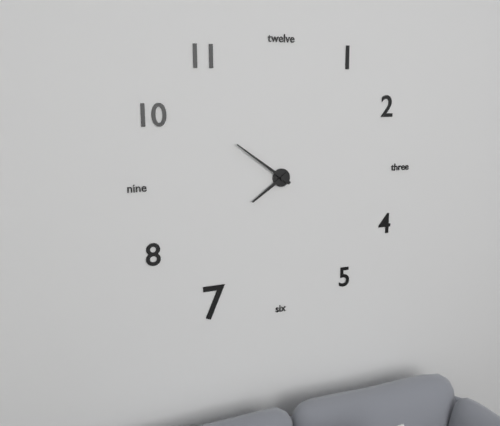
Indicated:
7 h 51 min
